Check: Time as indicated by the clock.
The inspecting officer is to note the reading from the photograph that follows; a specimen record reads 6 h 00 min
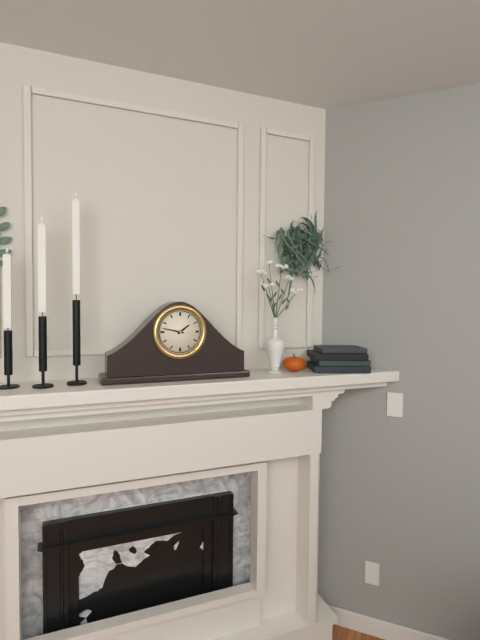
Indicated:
1 h 47 min
